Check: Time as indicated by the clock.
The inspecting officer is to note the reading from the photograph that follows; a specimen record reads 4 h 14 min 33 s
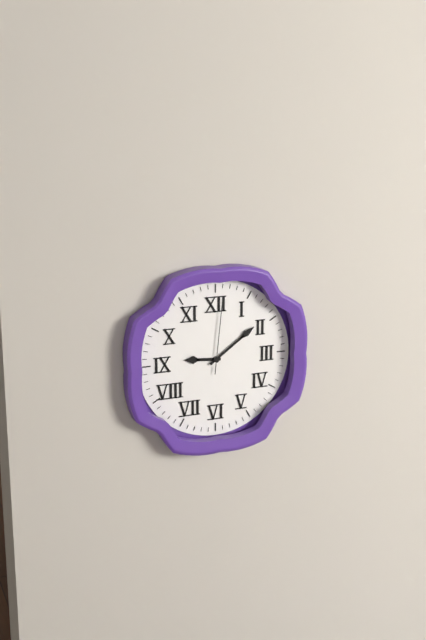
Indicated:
9 h 09 min 01 s
